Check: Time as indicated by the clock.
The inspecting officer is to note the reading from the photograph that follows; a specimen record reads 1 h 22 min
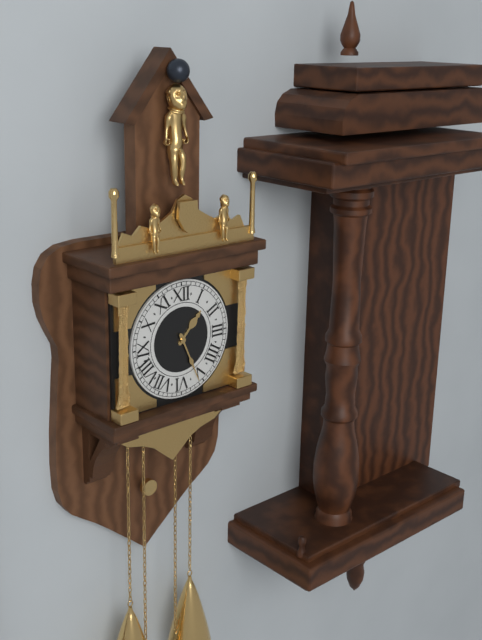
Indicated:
1 h 26 min
